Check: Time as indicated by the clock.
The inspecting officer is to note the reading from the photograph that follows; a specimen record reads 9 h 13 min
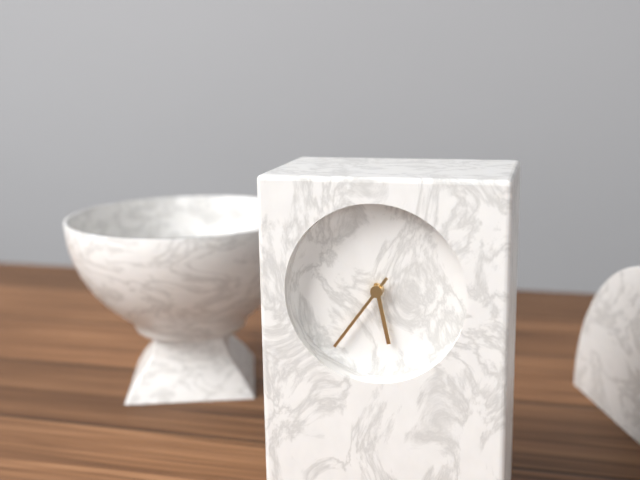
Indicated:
5 h 36 min
